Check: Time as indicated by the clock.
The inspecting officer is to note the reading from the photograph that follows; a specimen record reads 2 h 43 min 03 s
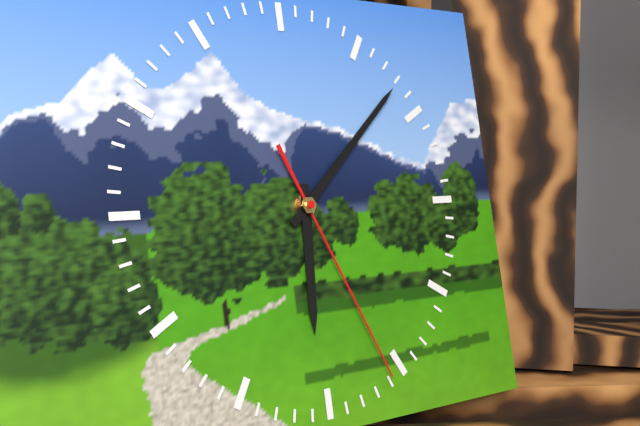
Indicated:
6 h 08 min 26 s
